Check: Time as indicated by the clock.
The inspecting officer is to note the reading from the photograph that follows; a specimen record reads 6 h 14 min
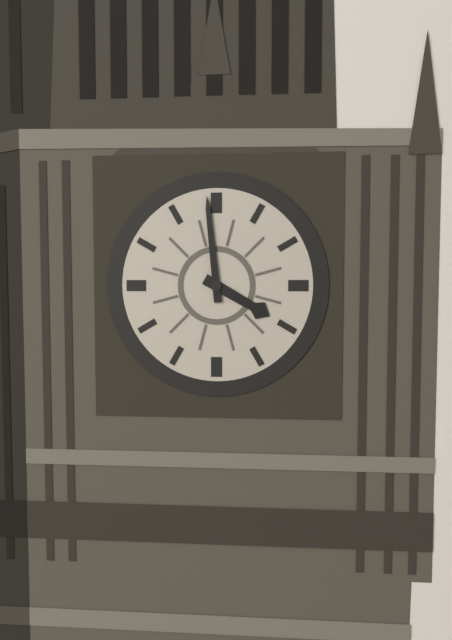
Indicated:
3 h 59 min
